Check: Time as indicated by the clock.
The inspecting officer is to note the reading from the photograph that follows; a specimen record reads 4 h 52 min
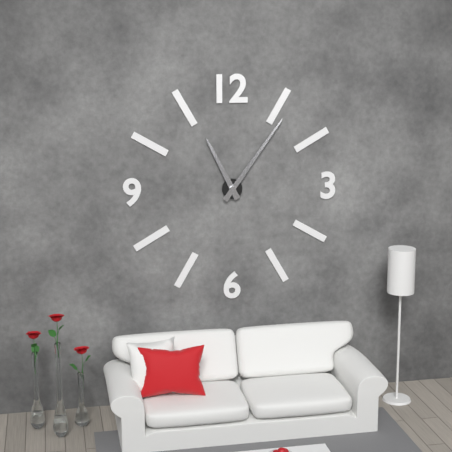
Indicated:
11 h 06 min
